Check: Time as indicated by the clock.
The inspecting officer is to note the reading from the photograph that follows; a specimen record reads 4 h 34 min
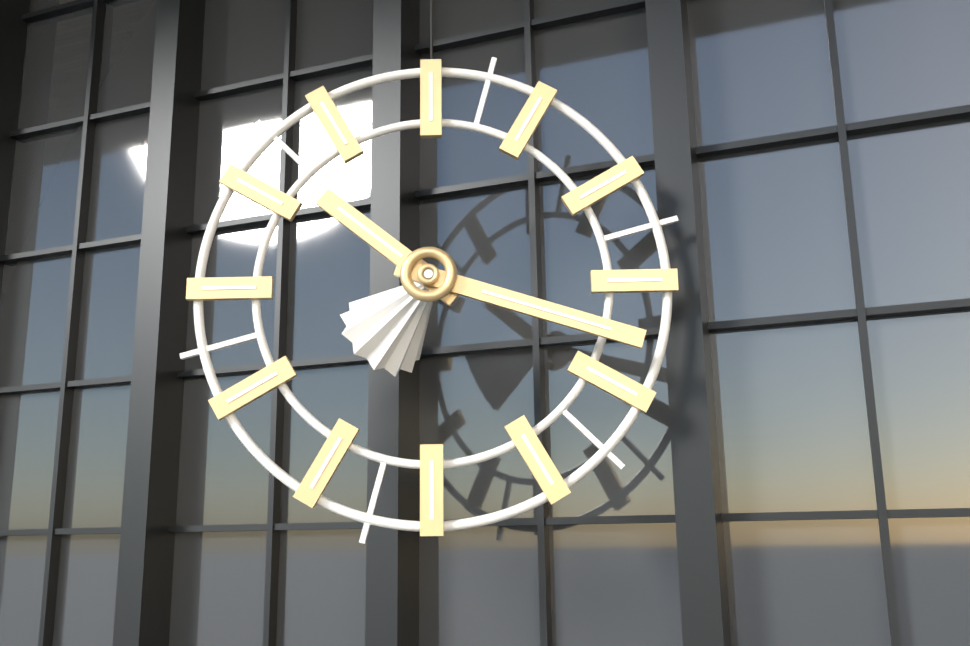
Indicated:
10 h 18 min
